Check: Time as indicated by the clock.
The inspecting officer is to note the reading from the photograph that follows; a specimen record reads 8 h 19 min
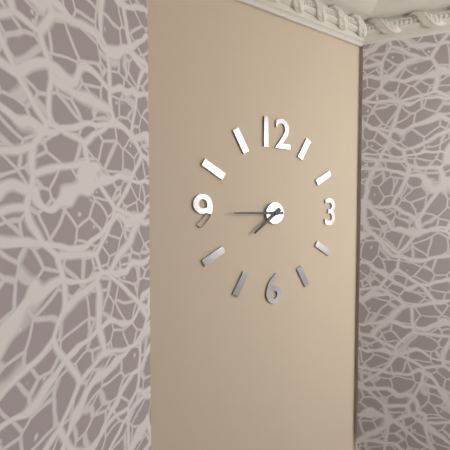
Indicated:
7 h 45 min
